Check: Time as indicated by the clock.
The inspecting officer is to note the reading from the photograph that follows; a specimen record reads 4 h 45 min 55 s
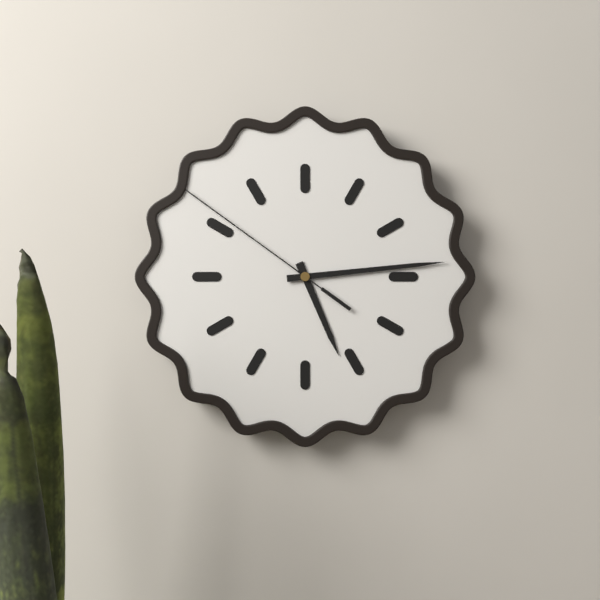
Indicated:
5 h 14 min 51 s
